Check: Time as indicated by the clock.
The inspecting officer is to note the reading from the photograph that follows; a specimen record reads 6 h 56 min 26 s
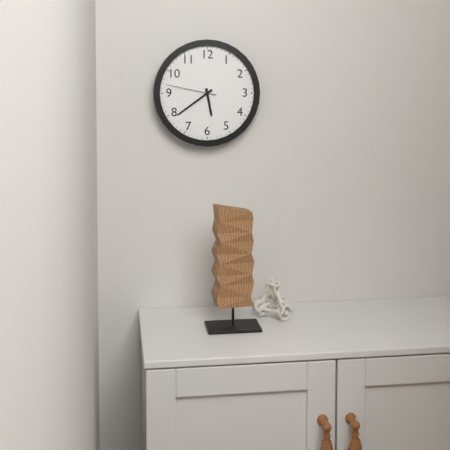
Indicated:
5 h 39 min 47 s
